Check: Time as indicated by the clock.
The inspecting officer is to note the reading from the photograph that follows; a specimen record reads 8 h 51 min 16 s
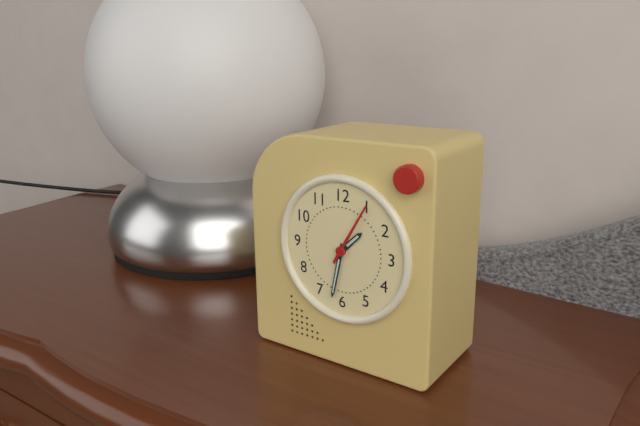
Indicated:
1 h 32 min 05 s
